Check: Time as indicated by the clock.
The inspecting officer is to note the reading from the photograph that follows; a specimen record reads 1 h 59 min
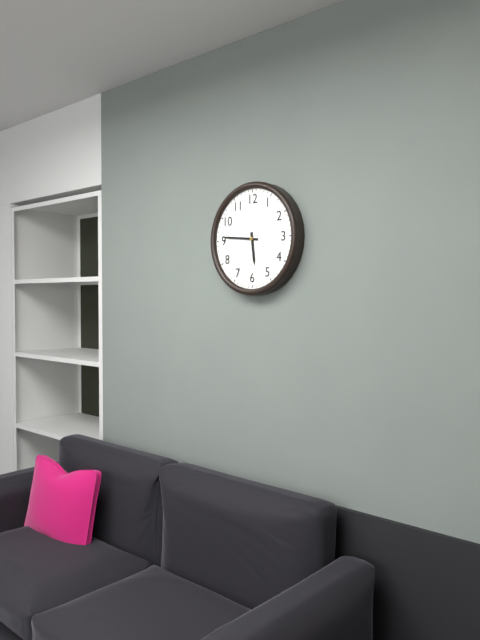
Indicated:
5 h 46 min
